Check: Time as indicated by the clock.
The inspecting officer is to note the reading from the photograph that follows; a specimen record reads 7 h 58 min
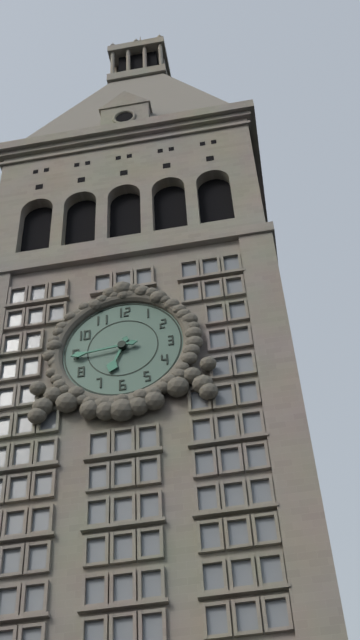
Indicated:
6 h 44 min
